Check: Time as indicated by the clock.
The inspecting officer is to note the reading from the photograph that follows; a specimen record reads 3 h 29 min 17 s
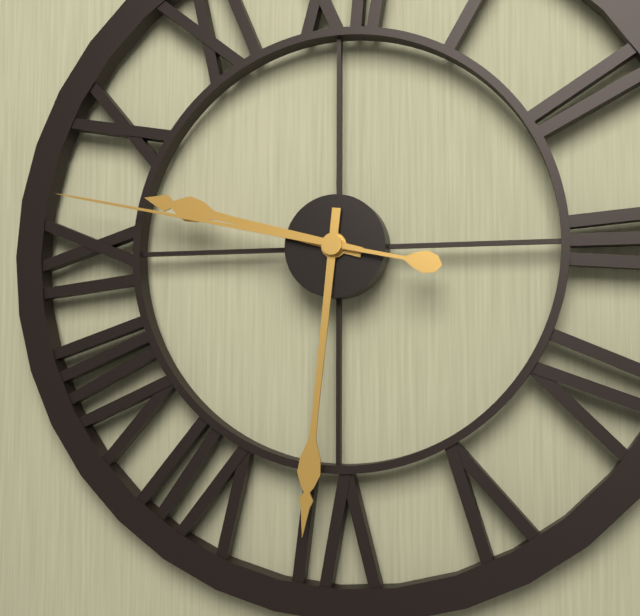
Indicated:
9 h 31 min 47 s
